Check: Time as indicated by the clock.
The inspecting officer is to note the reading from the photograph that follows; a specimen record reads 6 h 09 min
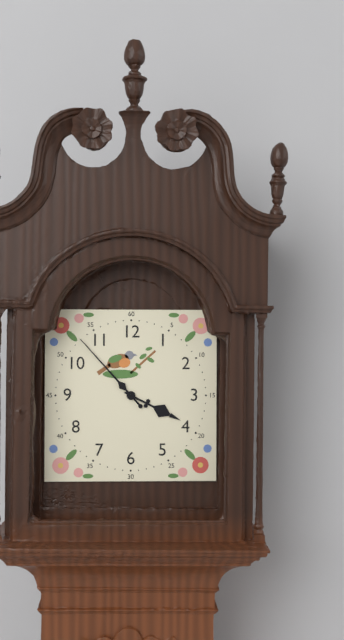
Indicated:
3 h 53 min
